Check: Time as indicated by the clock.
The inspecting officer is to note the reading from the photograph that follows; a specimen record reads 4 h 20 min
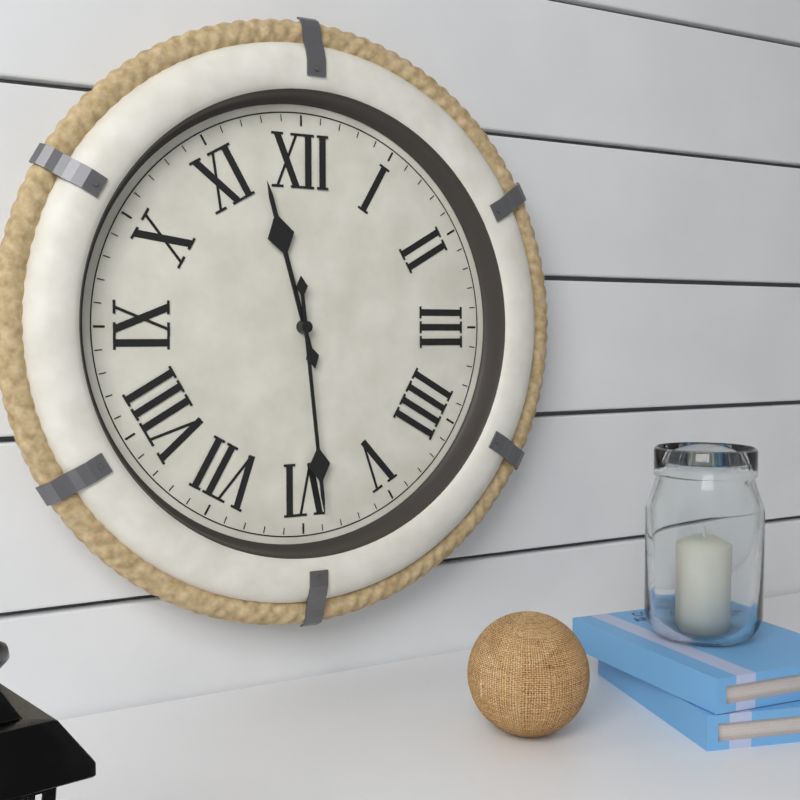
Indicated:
11 h 29 min
